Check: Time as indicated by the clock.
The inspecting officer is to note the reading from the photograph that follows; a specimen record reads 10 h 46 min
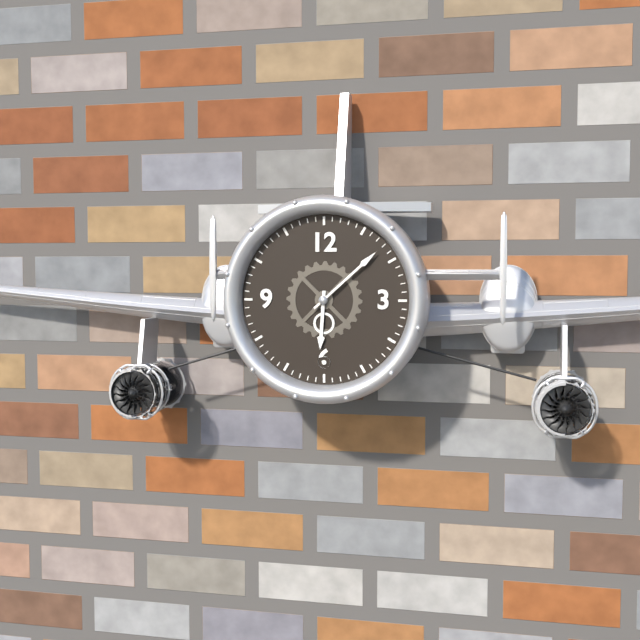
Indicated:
6 h 08 min
